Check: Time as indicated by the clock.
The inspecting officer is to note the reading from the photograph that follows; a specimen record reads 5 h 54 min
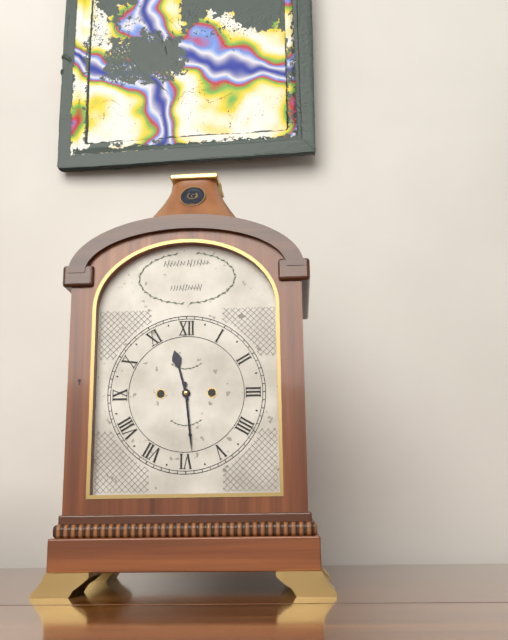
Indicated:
11 h 29 min
